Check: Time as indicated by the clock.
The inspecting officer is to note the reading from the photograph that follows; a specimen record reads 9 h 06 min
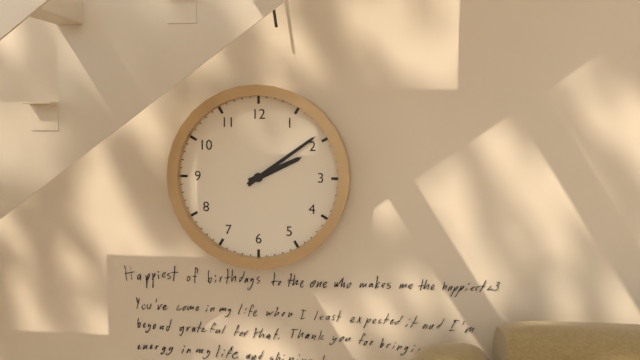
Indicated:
2 h 09 min
